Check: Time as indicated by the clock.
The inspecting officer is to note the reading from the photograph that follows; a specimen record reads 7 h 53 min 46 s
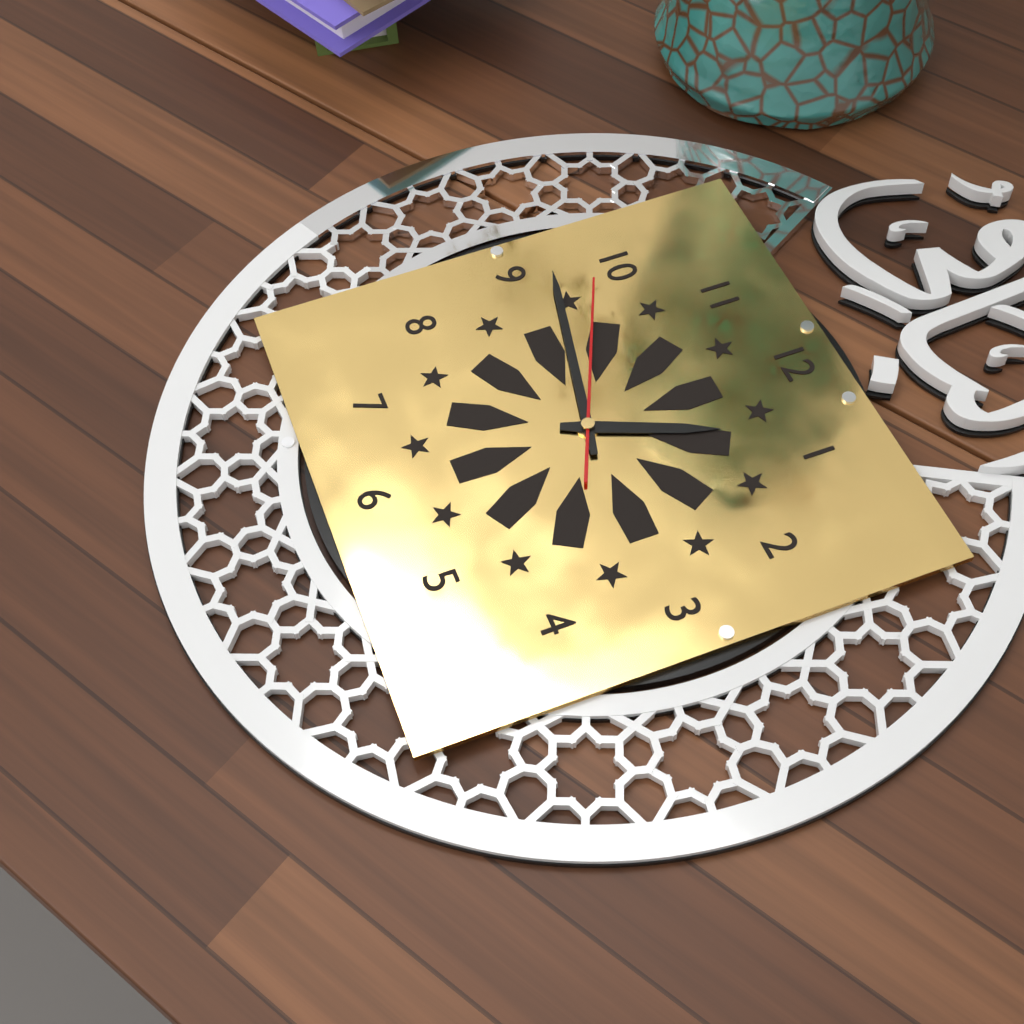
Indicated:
12 h 47 min 49 s
